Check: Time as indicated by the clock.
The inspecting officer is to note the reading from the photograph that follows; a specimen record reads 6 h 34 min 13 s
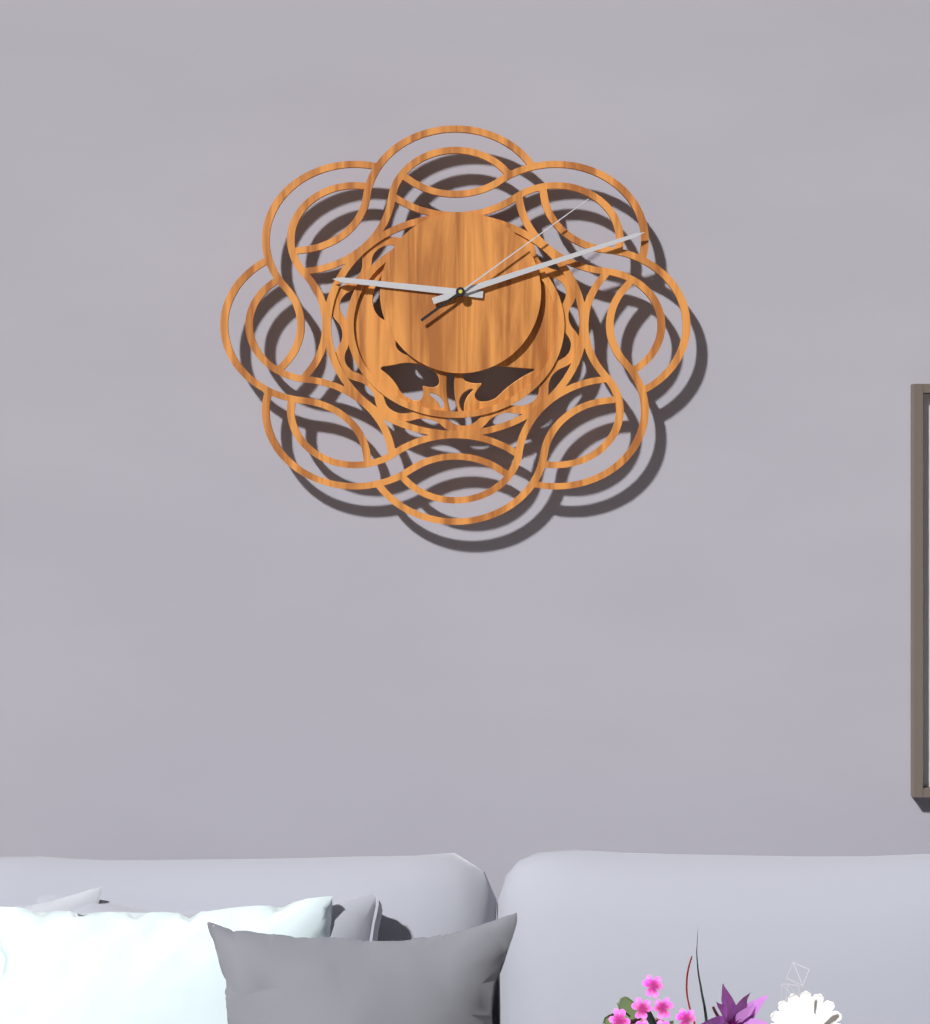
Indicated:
9 h 12 min 09 s
